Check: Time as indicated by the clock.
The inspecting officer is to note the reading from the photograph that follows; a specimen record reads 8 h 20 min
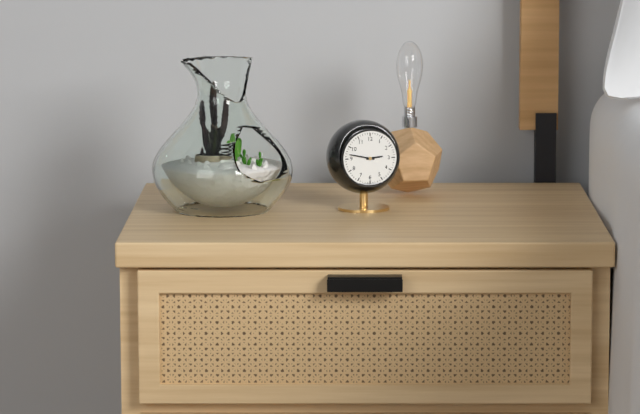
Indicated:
2 h 47 min
